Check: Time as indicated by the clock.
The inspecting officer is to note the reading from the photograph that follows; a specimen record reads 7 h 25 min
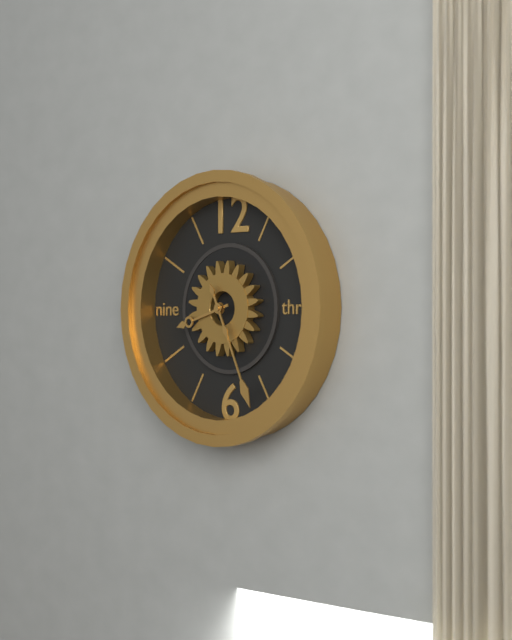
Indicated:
8 h 26 min
